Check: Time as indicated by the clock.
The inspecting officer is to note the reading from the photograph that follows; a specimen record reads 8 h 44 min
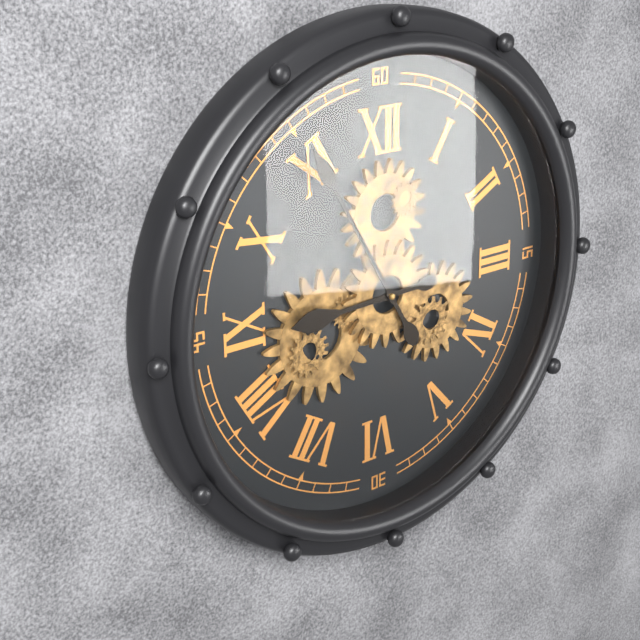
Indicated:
8 h 55 min
